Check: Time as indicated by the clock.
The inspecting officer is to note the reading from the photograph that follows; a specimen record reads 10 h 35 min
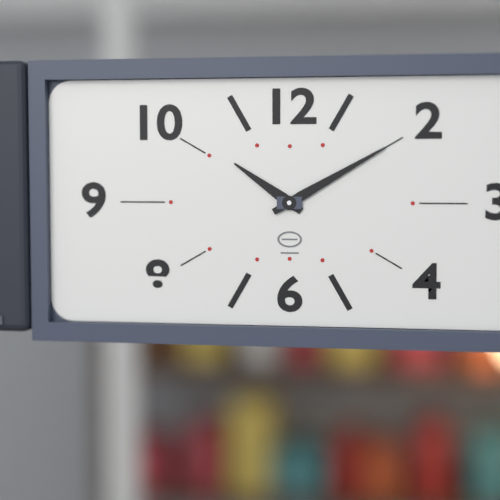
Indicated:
10 h 10 min
